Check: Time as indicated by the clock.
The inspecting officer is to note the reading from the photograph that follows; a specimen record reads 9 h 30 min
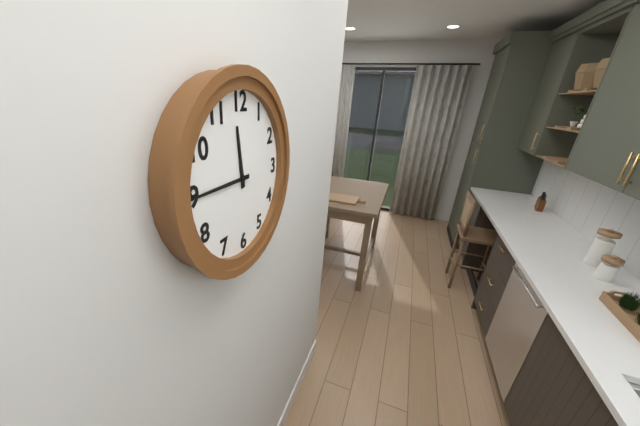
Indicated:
11 h 45 min
